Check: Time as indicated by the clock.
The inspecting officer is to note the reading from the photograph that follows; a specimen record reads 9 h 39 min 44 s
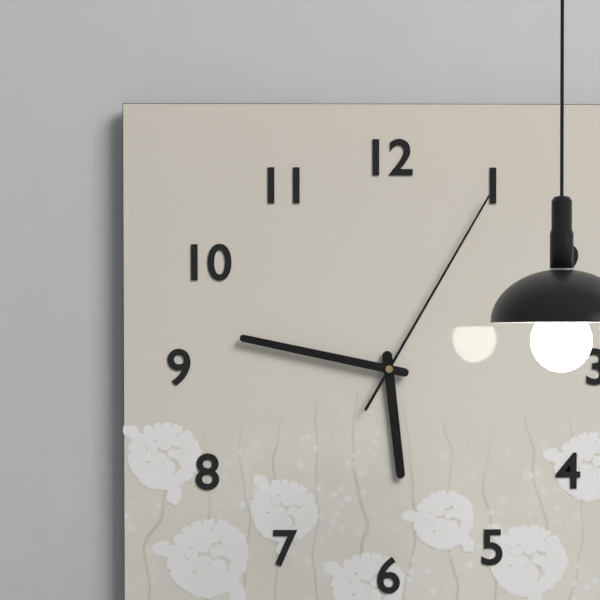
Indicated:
5 h 47 min 05 s
